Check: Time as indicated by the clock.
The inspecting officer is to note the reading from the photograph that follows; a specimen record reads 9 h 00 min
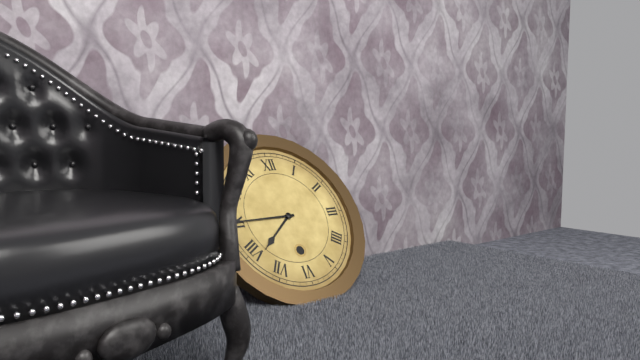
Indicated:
7 h 45 min
